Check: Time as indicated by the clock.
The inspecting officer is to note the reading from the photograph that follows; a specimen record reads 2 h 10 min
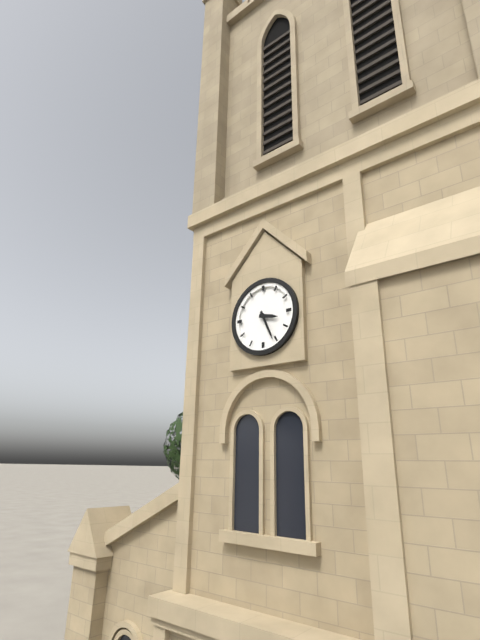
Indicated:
3 h 26 min
